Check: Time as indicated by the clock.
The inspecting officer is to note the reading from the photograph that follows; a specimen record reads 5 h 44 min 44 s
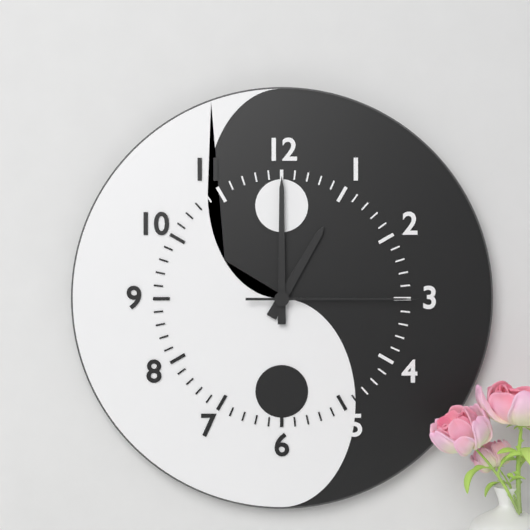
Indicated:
1 h 00 min 15 s
